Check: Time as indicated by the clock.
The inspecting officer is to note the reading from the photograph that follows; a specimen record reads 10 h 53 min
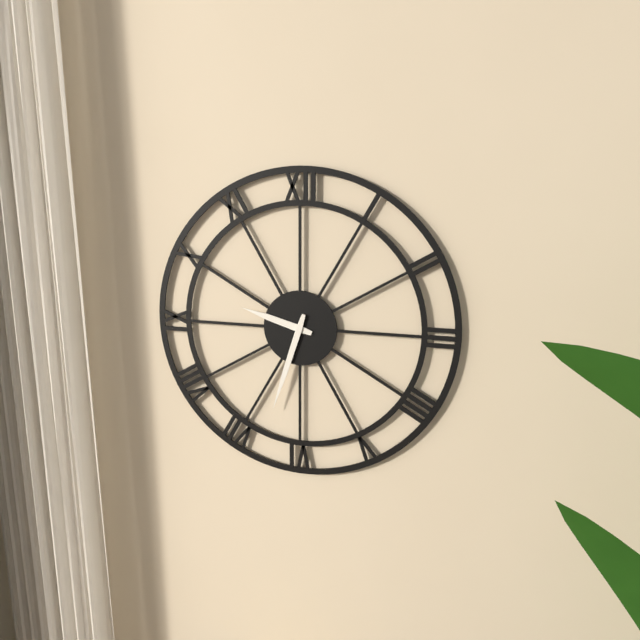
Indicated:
9 h 33 min
